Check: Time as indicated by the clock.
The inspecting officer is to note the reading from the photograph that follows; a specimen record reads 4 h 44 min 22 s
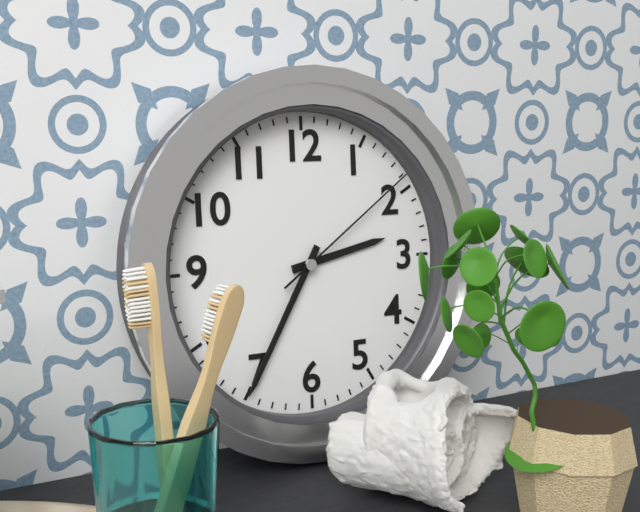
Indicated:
2 h 35 min 09 s
